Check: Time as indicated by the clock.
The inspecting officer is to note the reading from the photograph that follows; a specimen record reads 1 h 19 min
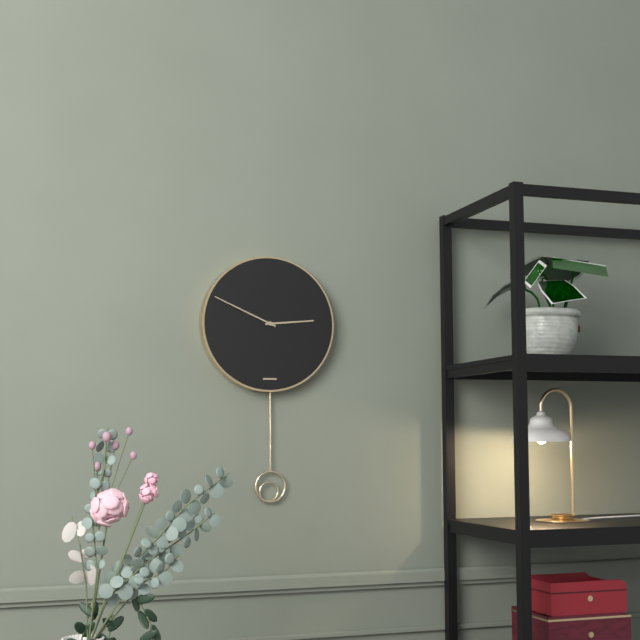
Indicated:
2 h 49 min
